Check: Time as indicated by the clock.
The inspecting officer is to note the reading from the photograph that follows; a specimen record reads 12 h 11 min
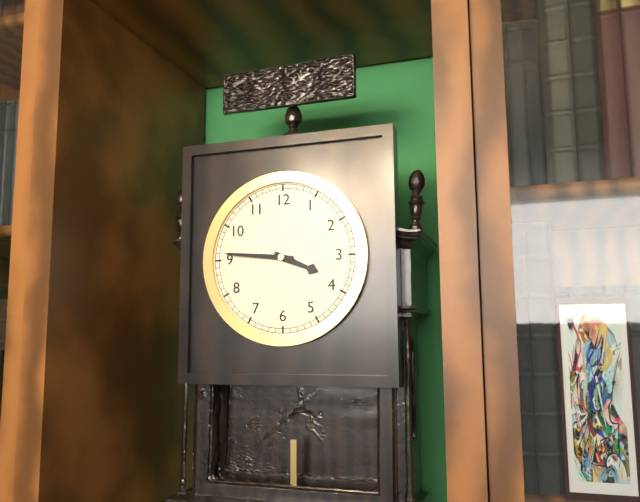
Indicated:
3 h 46 min
